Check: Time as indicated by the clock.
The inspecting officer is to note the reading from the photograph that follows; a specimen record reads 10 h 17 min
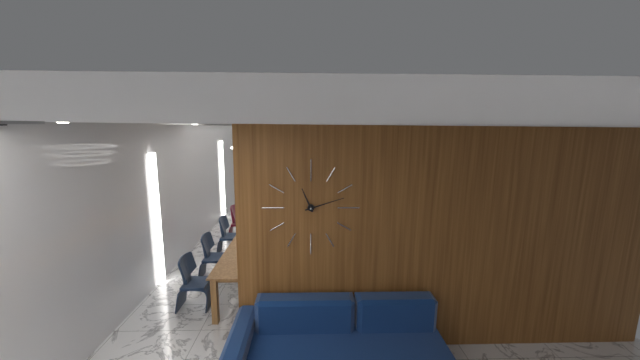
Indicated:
11 h 12 min
